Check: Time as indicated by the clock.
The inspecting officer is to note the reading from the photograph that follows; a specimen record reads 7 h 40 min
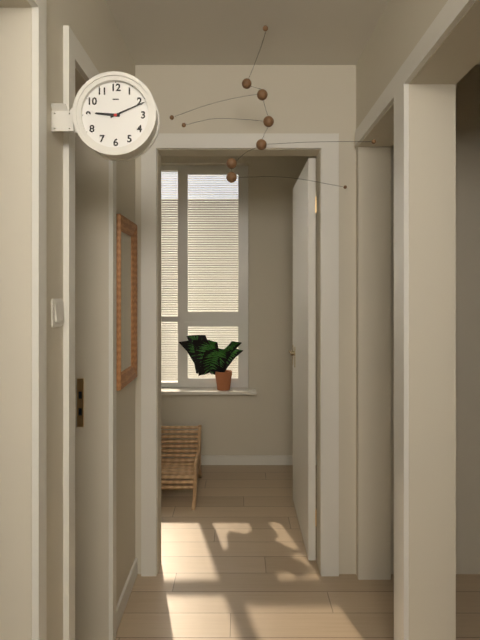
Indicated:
9 h 11 min
